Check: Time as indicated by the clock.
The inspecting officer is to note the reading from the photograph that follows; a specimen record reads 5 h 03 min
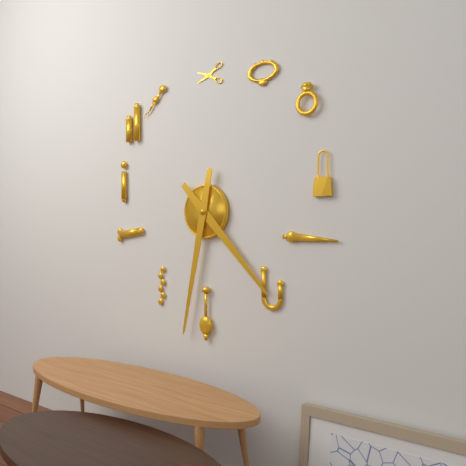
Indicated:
4 h 32 min
